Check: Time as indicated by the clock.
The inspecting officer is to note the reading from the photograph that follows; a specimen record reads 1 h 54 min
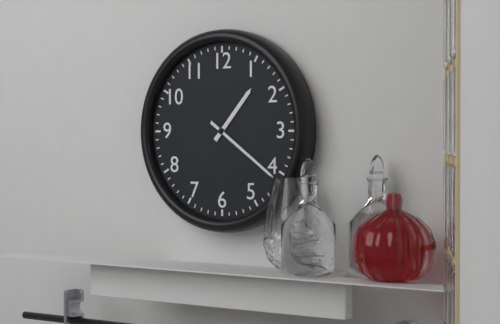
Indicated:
1 h 21 min
